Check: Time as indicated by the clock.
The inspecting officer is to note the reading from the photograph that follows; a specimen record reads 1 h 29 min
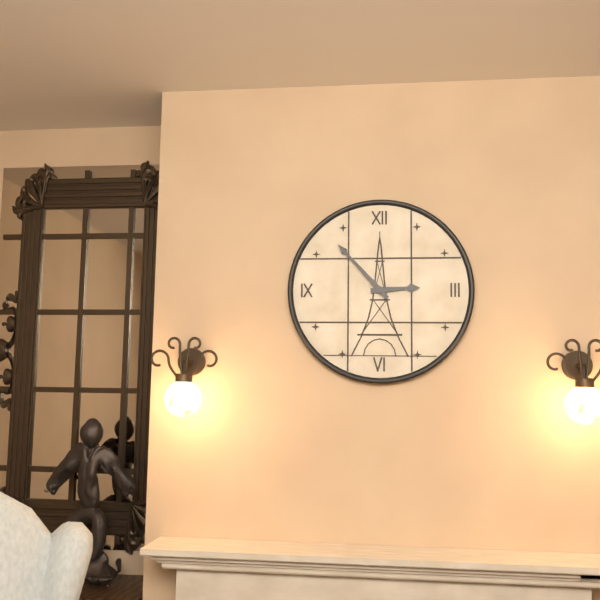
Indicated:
2 h 53 min
